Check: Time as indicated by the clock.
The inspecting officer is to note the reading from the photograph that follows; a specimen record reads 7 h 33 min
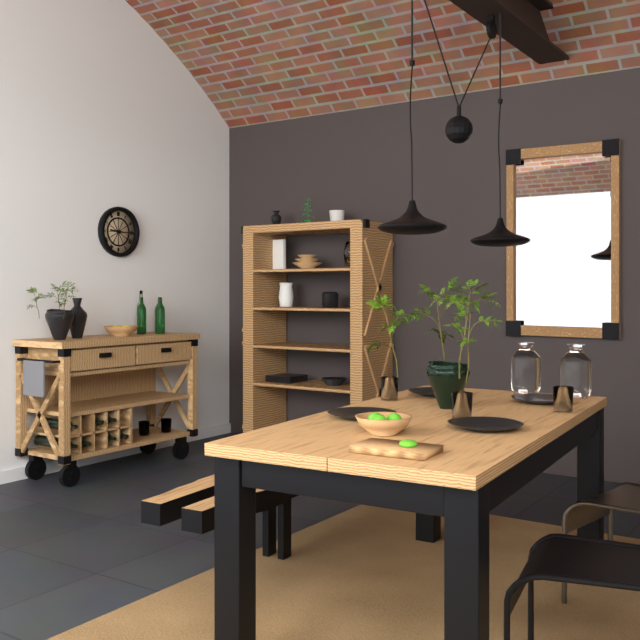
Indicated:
9 h 15 min
